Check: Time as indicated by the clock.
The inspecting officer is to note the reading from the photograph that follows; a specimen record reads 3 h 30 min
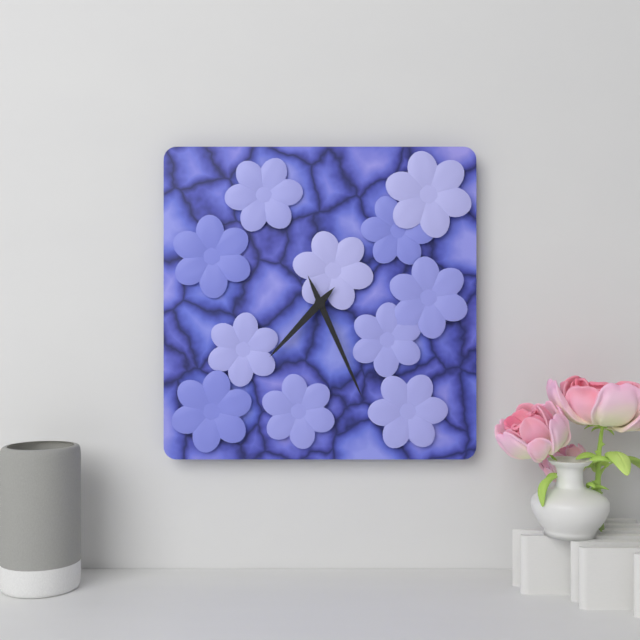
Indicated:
7 h 26 min
